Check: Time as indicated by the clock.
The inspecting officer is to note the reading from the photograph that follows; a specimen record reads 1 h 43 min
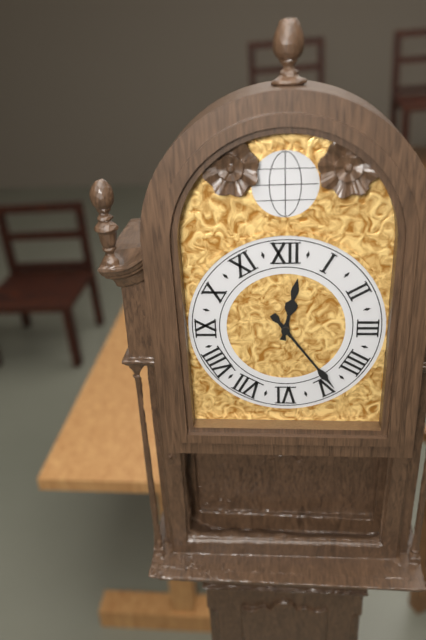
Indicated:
12 h 24 min
